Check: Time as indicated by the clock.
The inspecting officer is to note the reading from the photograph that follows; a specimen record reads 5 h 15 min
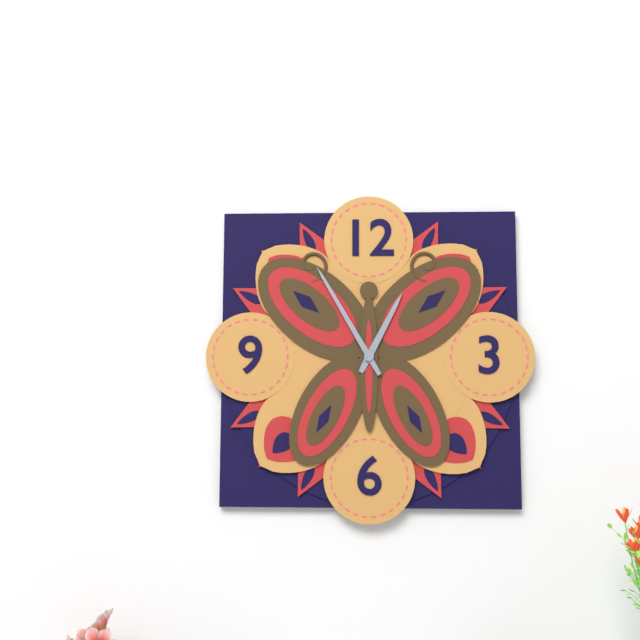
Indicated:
12 h 55 min
